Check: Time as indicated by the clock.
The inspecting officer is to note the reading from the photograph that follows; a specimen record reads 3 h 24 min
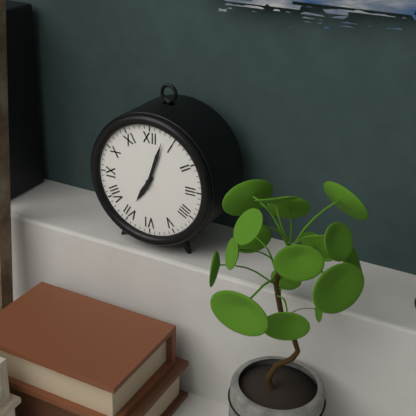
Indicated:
7 h 03 min
